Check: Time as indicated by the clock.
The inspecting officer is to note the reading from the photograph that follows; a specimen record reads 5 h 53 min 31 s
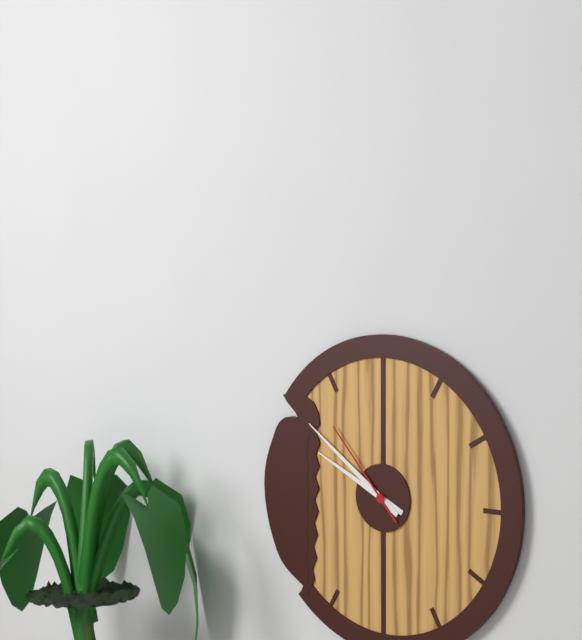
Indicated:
9 h 51 min 53 s
